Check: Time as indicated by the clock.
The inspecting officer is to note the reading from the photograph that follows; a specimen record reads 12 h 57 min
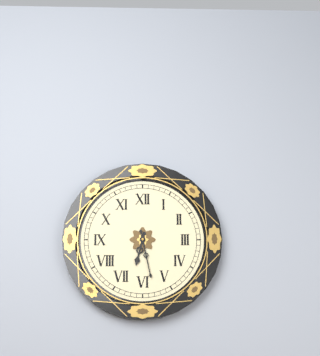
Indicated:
6 h 28 min
